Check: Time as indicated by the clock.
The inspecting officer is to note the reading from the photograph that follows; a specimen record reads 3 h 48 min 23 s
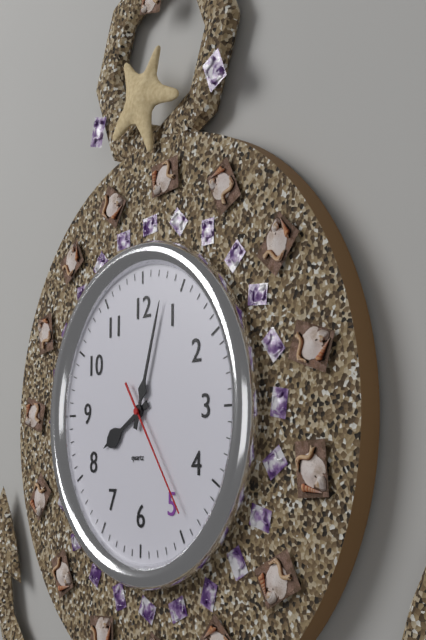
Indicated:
8 h 03 min 24 s
